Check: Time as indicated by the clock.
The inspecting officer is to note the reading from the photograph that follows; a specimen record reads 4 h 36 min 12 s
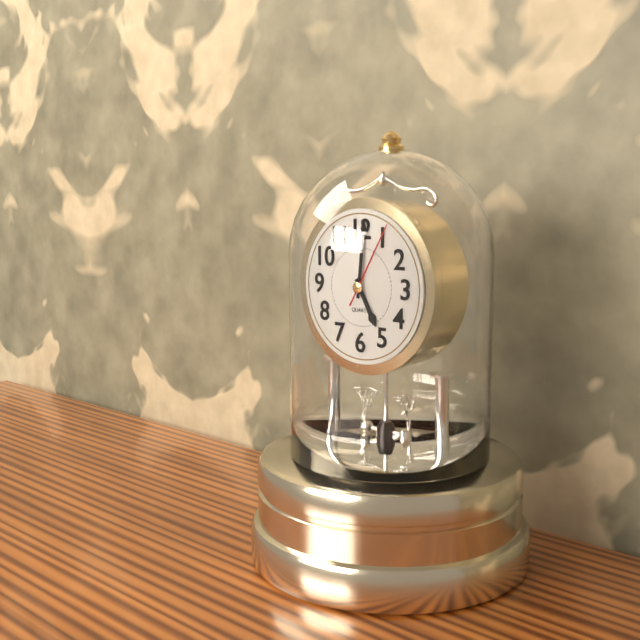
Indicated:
5 h 01 min 05 s
